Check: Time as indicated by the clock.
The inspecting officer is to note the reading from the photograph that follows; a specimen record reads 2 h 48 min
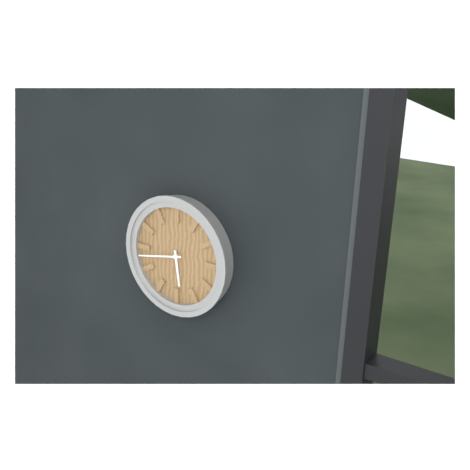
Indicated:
5 h 43 min
